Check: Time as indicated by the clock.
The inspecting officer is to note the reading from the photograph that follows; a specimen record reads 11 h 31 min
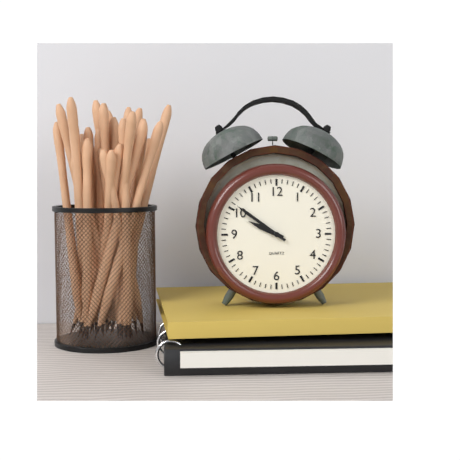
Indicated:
9 h 51 min
